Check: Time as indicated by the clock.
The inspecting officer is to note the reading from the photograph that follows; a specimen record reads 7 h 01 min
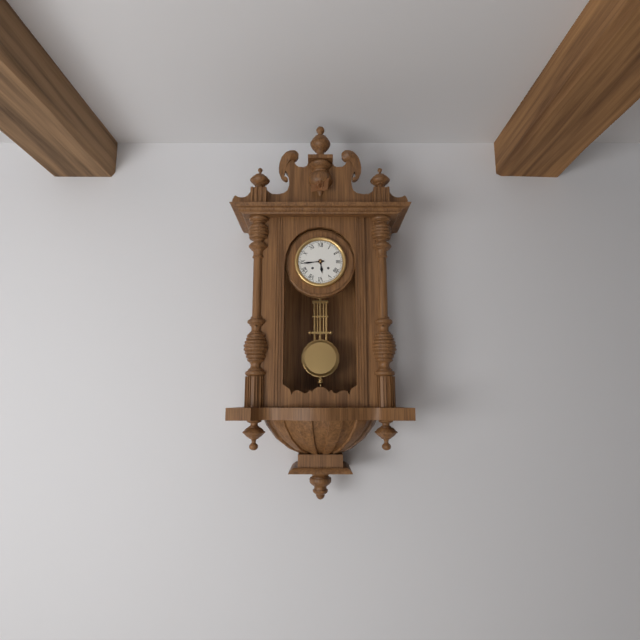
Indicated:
5 h 44 min
